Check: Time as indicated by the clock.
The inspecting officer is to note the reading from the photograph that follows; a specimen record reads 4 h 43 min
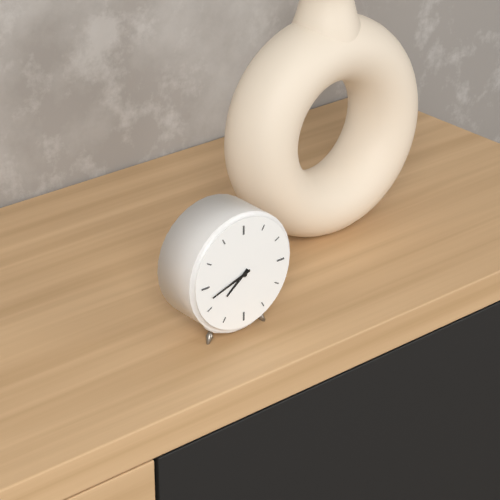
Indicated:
7 h 42 min
